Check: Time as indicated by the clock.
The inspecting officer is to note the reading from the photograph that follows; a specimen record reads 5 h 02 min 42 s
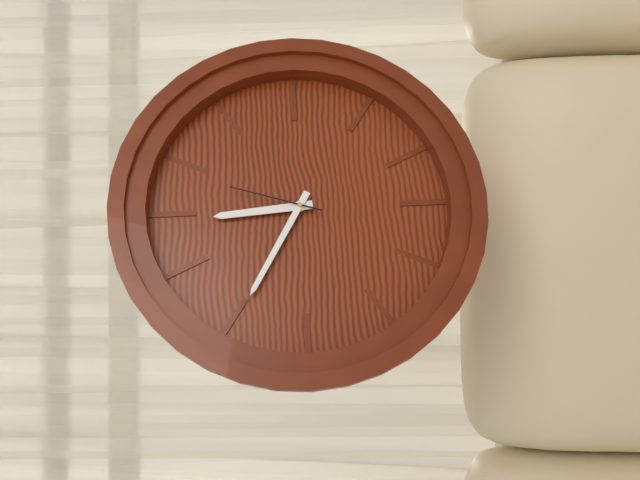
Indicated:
11 h 50 min 03 s
